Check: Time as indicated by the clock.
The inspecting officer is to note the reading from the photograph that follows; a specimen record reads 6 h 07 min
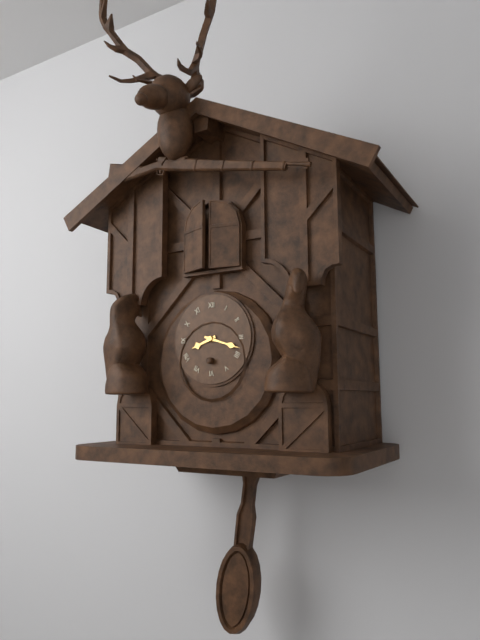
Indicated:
8 h 18 min
